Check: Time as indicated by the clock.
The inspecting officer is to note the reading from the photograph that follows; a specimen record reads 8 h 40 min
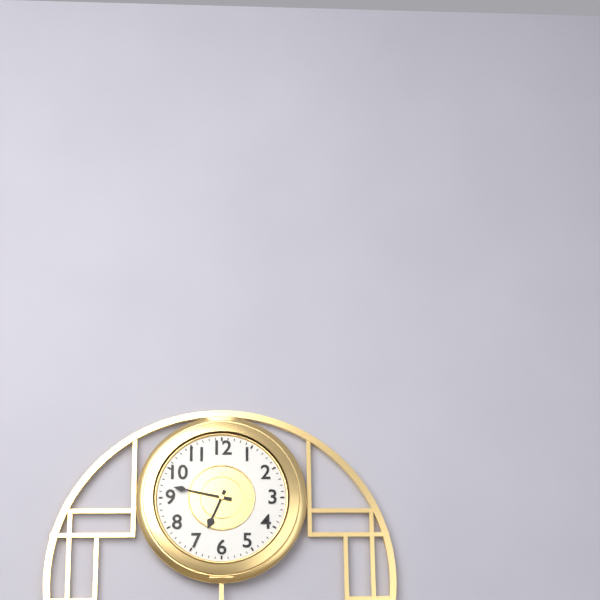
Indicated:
6 h 47 min
